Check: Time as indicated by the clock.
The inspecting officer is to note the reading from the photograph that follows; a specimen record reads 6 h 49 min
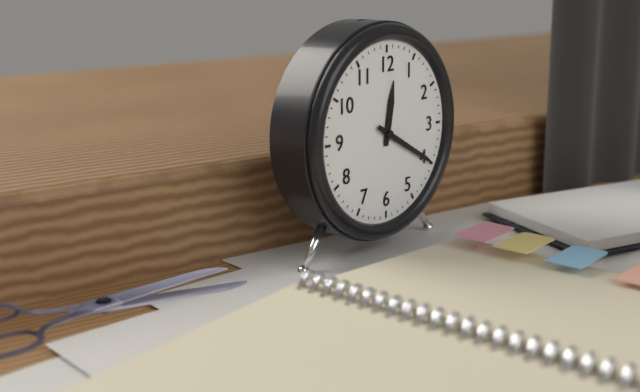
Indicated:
12 h 20 min
